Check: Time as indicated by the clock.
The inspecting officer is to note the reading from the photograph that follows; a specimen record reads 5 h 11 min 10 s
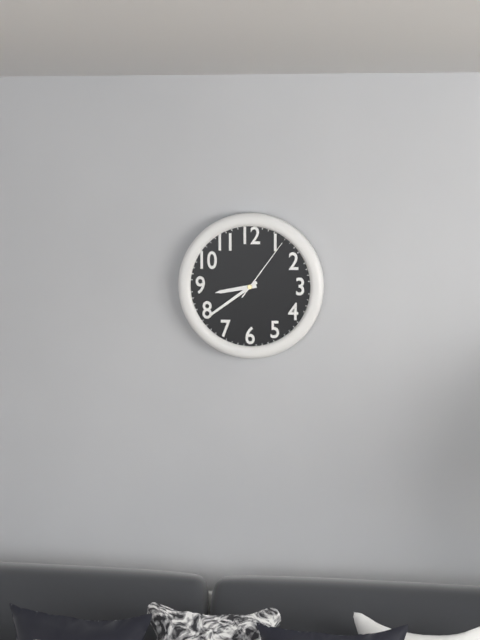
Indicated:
8 h 39 min 06 s
